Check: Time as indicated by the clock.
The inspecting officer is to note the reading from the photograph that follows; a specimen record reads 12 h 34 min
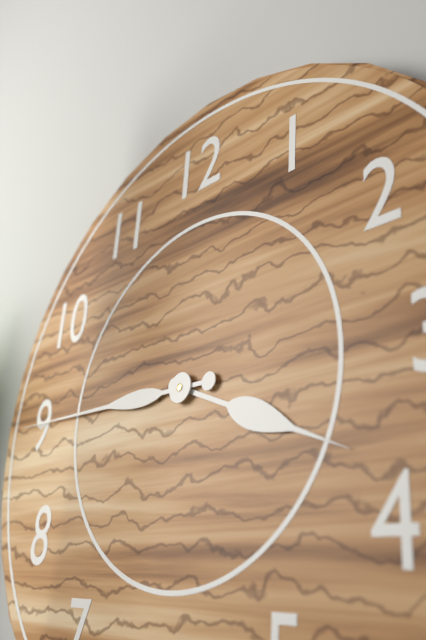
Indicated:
3 h 45 min
